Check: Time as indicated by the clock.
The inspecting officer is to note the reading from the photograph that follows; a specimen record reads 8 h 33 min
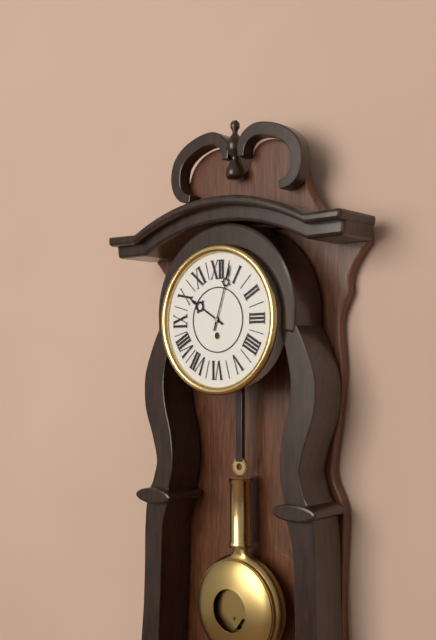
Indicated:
10 h 03 min
